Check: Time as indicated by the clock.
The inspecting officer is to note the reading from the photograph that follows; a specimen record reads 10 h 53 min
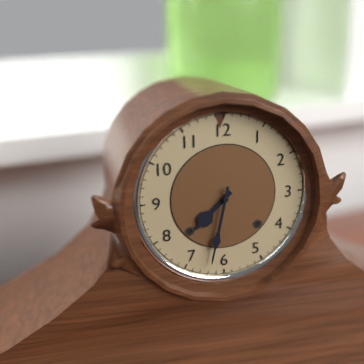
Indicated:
7 h 32 min
